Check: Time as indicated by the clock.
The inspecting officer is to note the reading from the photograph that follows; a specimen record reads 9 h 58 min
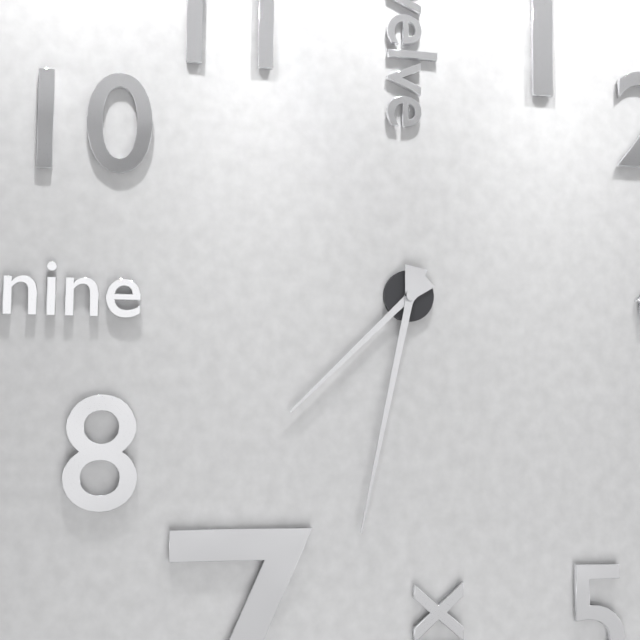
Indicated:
7 h 32 min
